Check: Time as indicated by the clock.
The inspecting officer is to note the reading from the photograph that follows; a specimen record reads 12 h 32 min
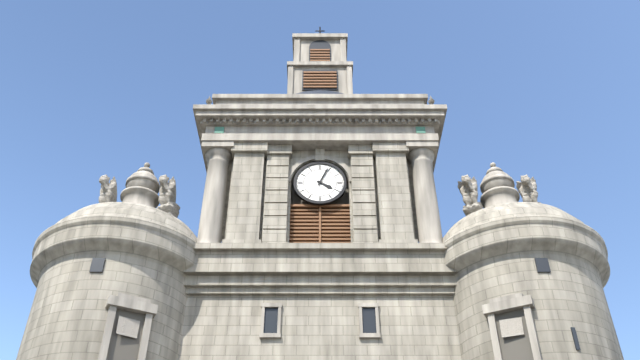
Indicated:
4 h 04 min
